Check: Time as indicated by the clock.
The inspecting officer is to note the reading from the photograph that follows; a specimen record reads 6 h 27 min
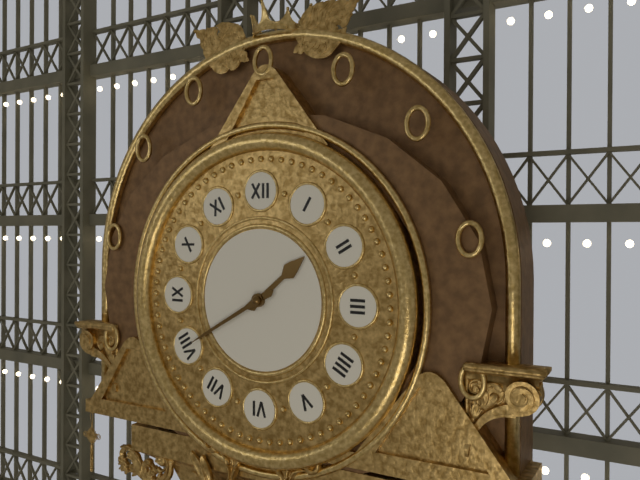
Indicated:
1 h 40 min
